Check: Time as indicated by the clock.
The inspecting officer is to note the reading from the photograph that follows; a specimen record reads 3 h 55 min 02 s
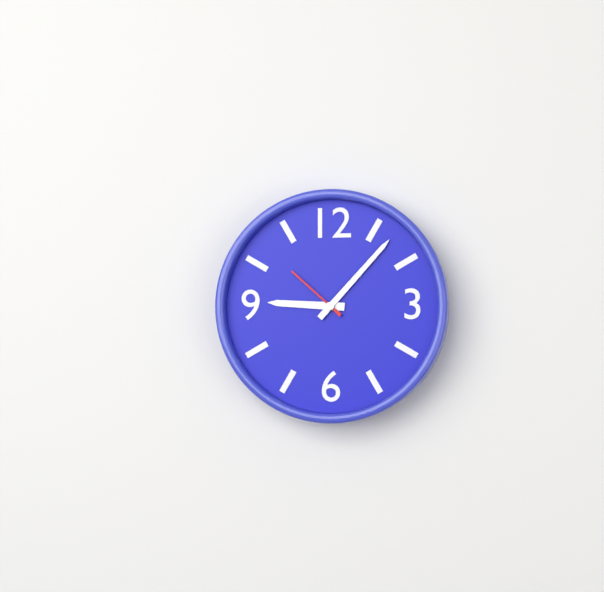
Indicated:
9 h 07 min 52 s
